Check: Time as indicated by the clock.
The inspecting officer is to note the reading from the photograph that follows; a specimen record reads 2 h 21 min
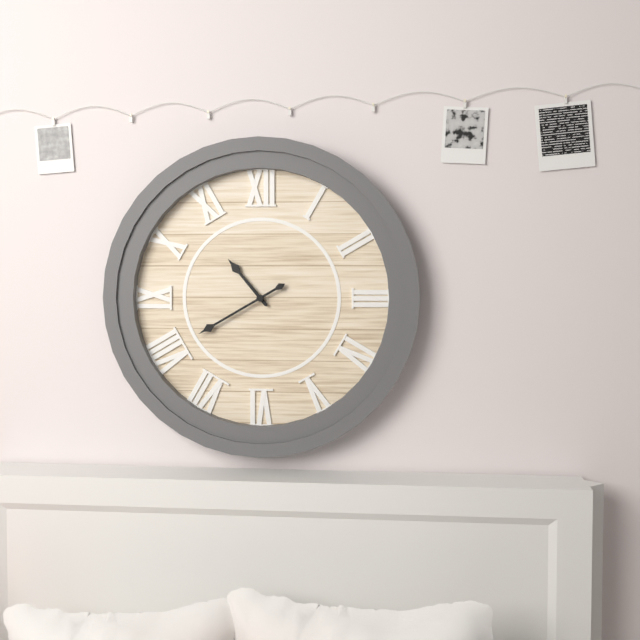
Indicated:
10 h 40 min
